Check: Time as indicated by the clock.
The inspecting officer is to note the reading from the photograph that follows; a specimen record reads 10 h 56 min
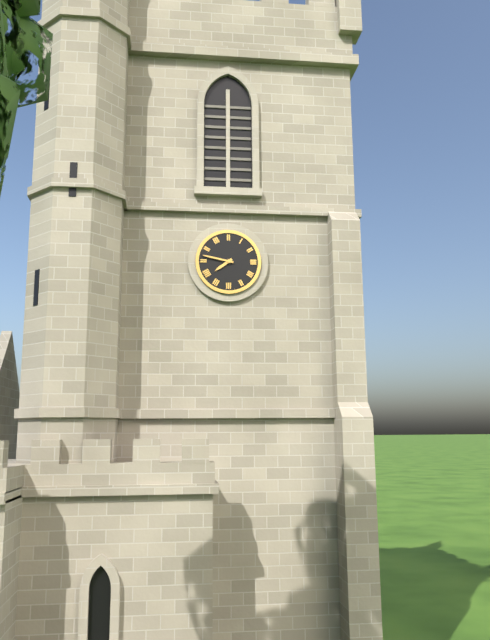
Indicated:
7 h 47 min
